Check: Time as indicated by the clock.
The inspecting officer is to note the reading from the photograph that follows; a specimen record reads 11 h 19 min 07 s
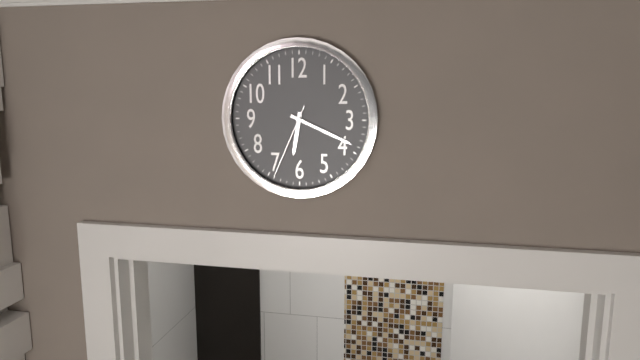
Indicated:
6 h 19 min 34 s
